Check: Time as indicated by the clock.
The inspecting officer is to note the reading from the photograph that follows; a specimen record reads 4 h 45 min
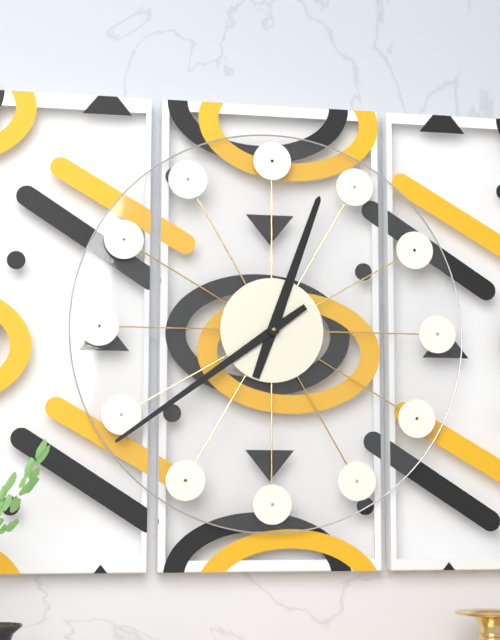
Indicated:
12 h 39 min
